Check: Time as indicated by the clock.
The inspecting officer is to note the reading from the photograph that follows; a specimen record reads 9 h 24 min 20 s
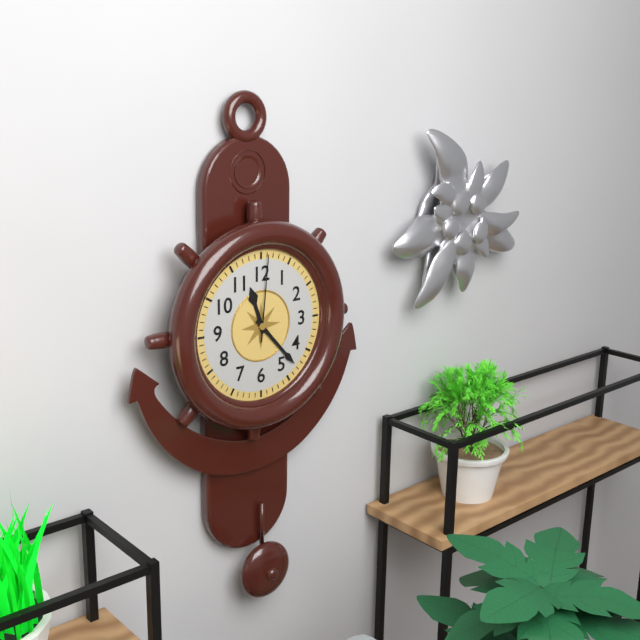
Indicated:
11 h 23 min 01 s
